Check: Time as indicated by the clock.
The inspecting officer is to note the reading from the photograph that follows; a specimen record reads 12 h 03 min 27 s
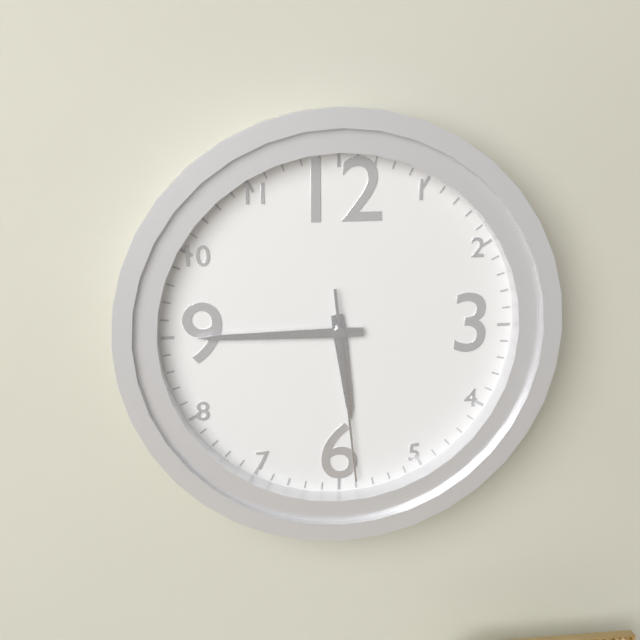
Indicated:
5 h 45 min 29 s
